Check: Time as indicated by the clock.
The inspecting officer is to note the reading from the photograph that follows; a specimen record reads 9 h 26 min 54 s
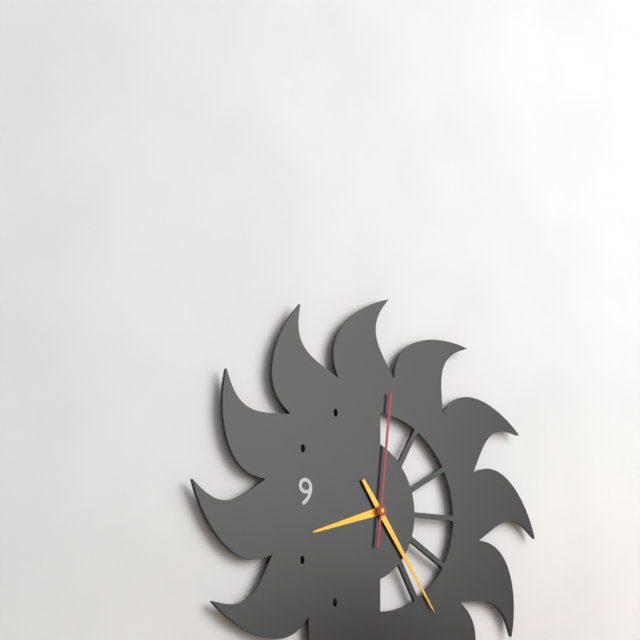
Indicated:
8 h 24 min 01 s
